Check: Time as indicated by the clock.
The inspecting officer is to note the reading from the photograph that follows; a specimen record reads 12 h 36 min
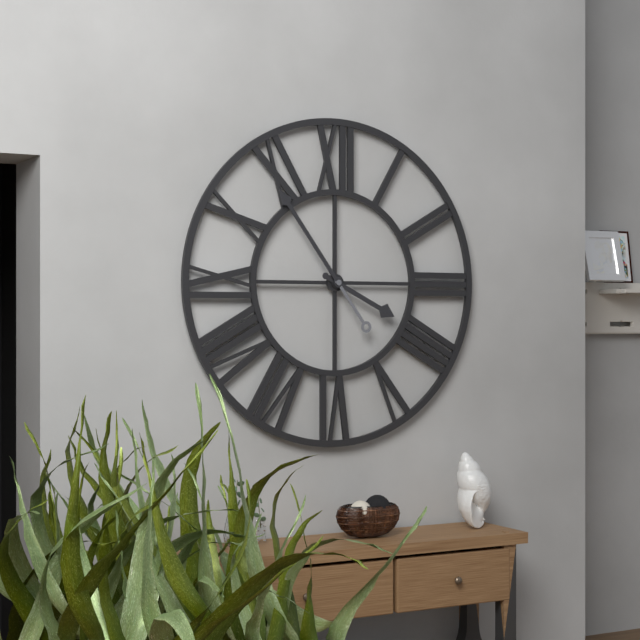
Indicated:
3 h 54 min
